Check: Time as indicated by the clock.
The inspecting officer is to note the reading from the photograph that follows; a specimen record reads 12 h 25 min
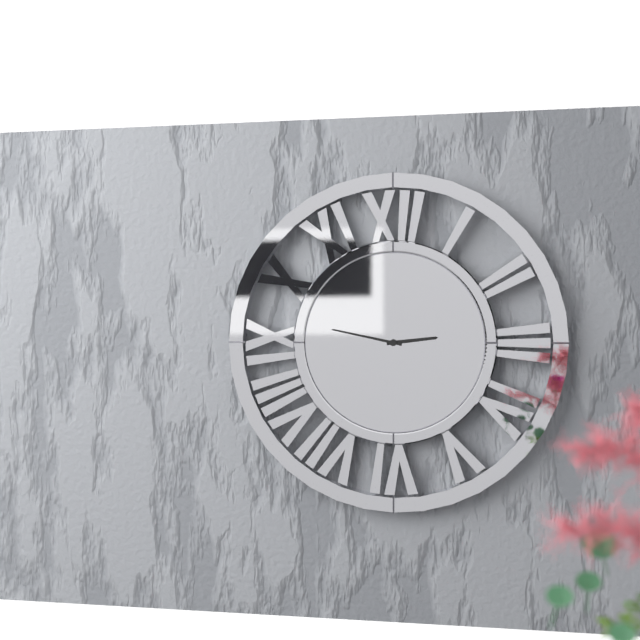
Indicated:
2 h 47 min
